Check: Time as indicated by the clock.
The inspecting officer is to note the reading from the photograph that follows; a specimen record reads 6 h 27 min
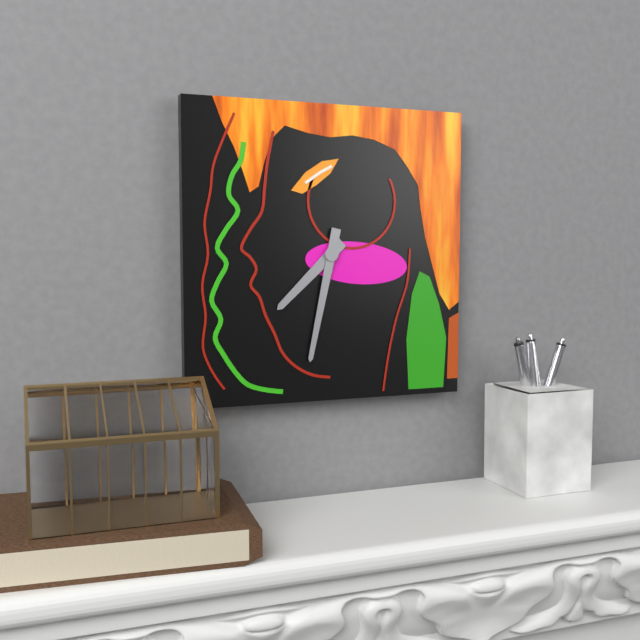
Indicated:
7 h 32 min
